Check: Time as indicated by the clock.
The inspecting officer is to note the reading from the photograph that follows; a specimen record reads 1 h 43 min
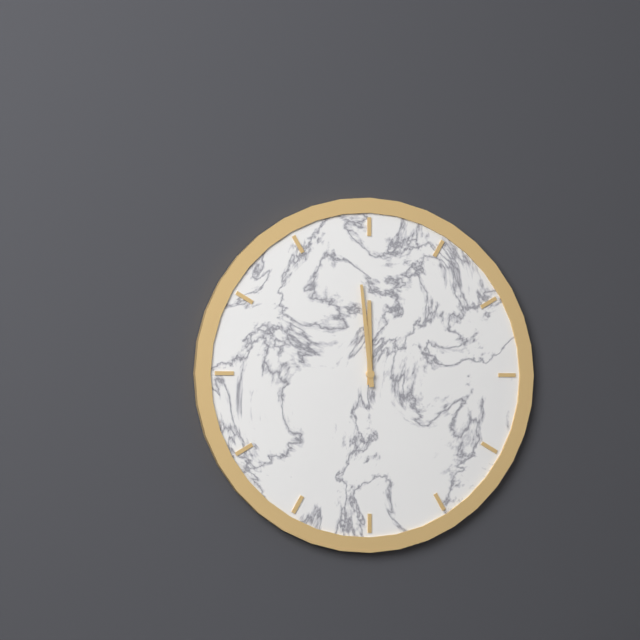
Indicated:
11 h 59 min
